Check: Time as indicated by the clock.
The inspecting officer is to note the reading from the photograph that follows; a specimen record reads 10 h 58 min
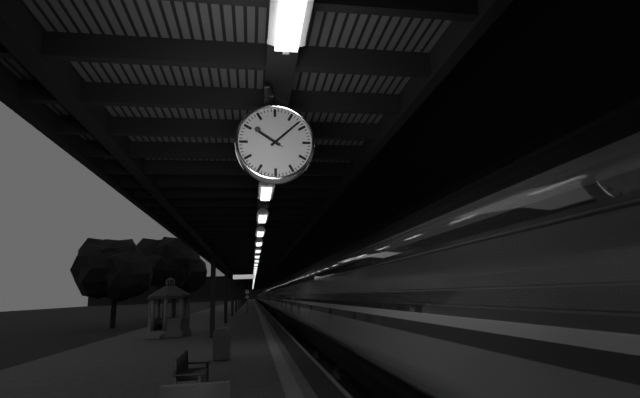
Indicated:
10 h 08 min
